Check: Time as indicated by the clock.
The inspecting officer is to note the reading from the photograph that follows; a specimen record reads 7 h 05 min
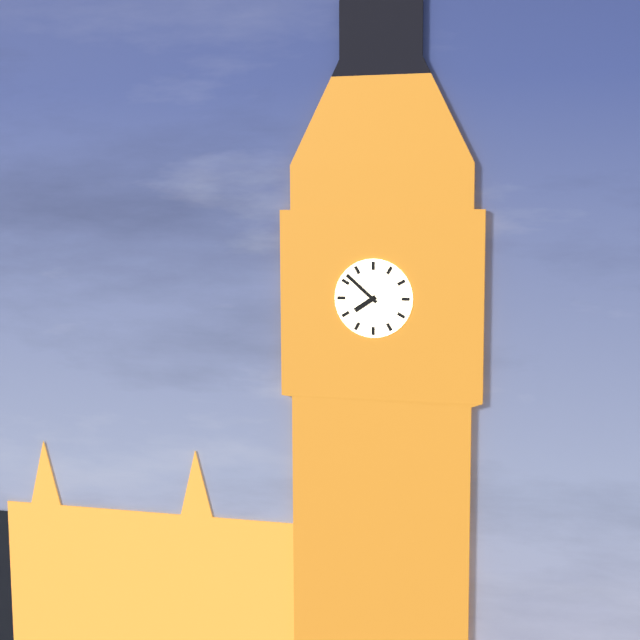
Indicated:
7 h 52 min
